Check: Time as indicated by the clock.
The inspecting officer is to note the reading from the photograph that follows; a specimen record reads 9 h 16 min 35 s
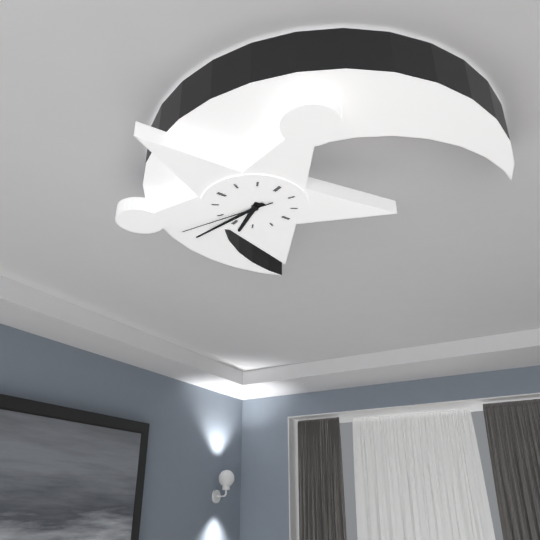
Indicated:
5 h 32 min 34 s
